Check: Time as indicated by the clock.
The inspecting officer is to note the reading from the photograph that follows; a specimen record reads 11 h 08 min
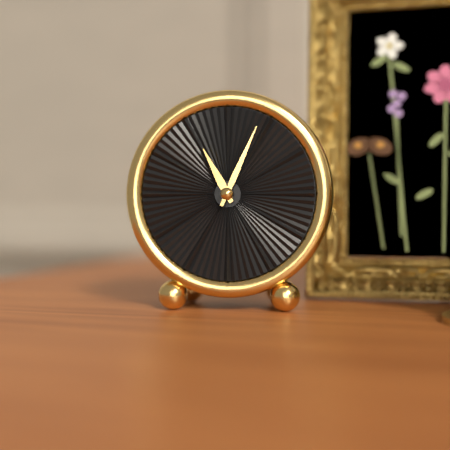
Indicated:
11 h 04 min
